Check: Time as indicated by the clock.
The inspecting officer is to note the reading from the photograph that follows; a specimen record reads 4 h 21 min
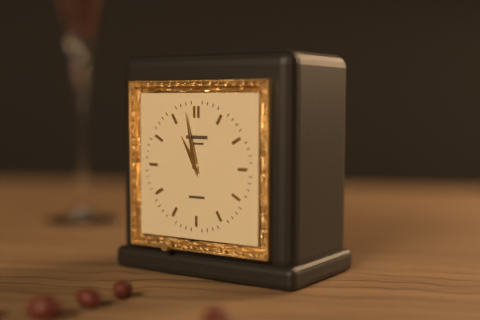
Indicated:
10 h 58 min
